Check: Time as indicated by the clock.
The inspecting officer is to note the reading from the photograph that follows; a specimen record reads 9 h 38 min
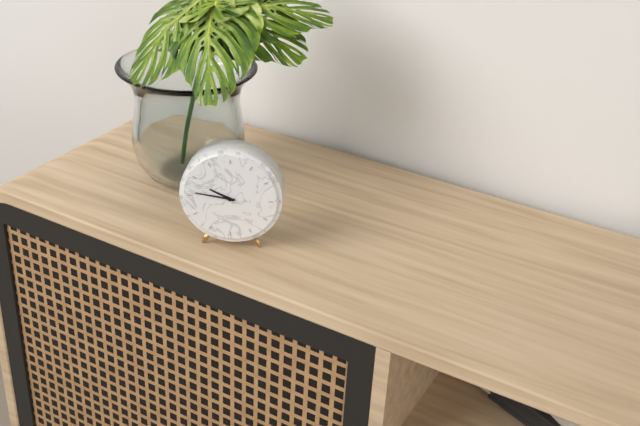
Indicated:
9 h 46 min
